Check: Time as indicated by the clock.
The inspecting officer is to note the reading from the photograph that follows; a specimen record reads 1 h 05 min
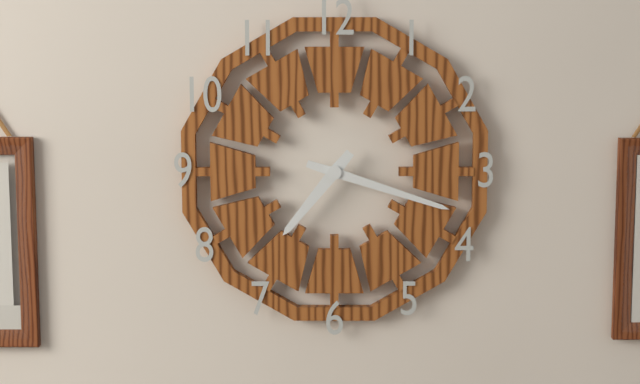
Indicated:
7 h 18 min
